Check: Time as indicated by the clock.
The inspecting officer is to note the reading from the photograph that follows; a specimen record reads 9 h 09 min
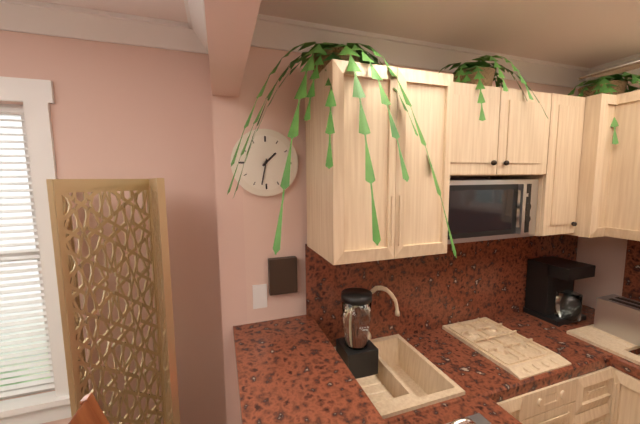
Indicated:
1 h 32 min
